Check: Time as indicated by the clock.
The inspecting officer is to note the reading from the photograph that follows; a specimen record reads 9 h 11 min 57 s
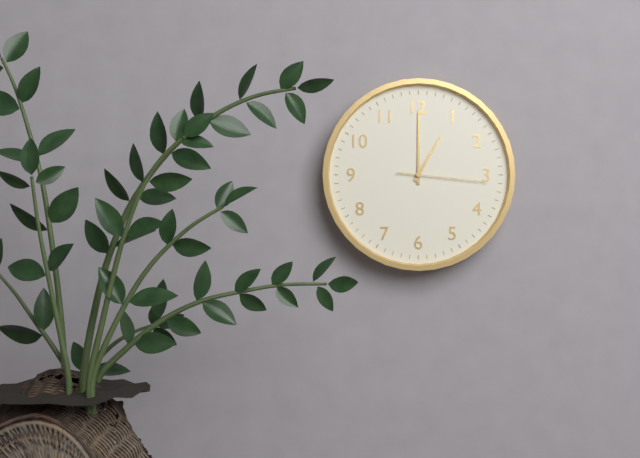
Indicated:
1 h 00 min 16 s
